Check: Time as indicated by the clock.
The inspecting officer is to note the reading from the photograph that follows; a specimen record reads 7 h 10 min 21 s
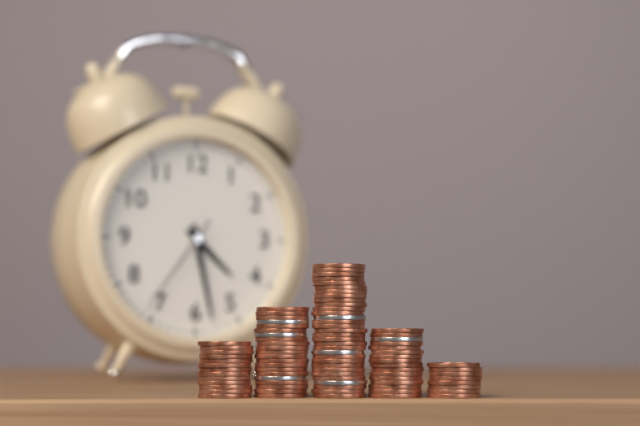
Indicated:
4 h 28 min 36 s
